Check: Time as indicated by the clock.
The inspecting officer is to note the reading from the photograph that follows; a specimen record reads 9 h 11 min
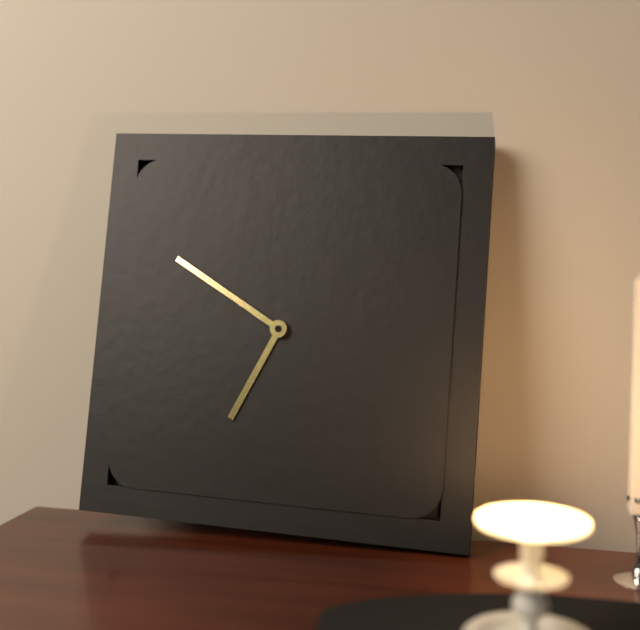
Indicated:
6 h 50 min
